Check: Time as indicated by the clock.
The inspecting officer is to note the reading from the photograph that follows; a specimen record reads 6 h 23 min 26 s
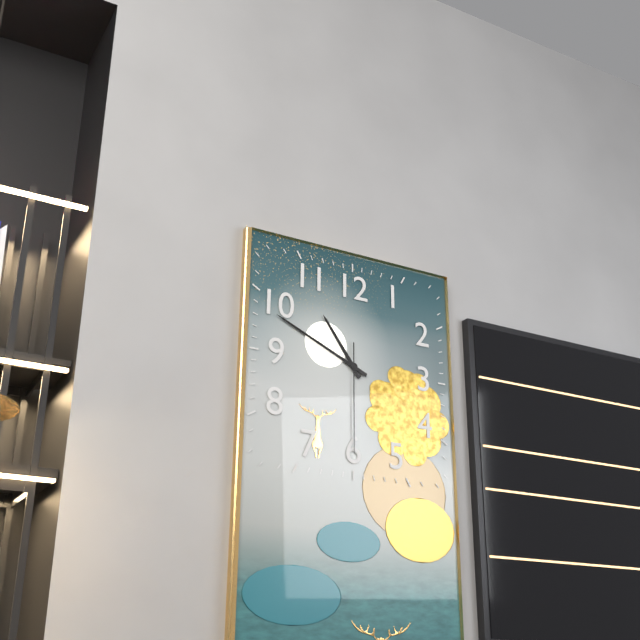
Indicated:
10 h 49 min 30 s
